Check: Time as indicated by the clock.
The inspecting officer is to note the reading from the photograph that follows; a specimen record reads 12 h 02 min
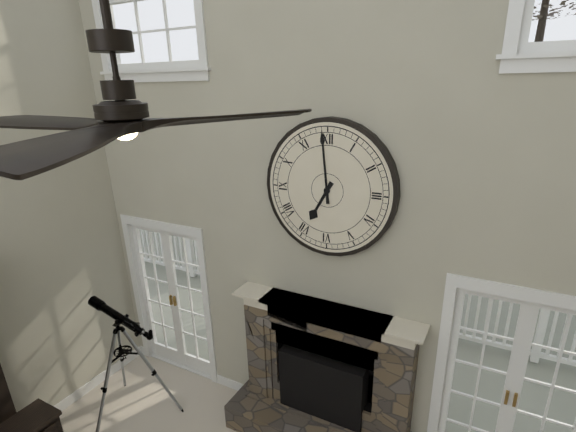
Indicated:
6 h 59 min
